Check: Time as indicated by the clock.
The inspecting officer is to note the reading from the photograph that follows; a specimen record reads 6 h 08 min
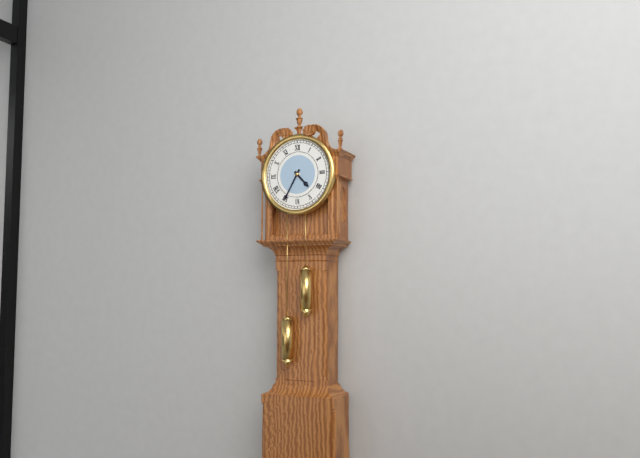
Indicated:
4 h 35 min
